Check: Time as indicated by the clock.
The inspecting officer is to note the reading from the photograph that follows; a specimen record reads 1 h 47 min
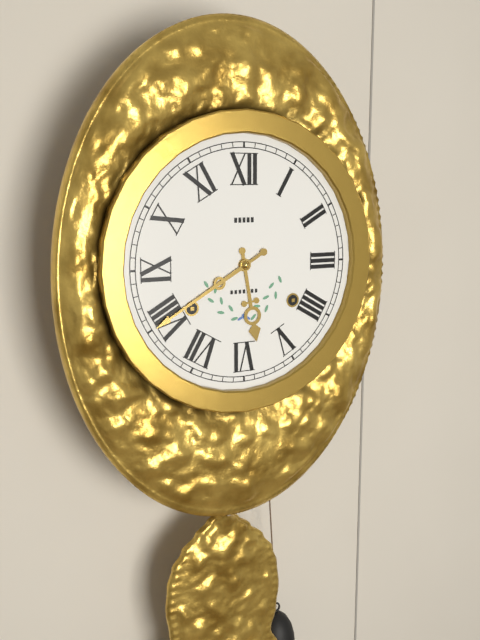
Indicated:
5 h 40 min
